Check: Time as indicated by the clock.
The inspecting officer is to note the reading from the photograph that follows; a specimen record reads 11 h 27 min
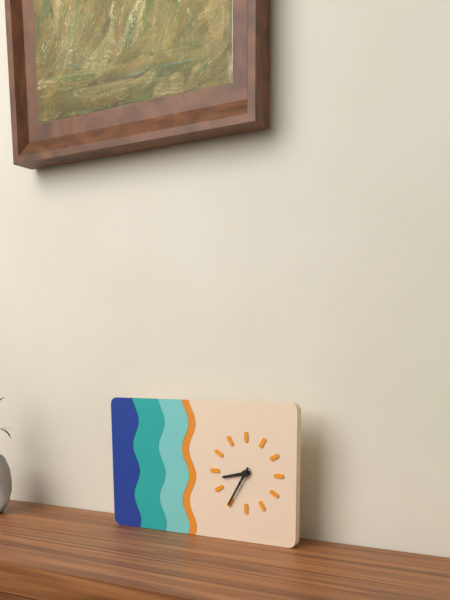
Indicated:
8 h 35 min
